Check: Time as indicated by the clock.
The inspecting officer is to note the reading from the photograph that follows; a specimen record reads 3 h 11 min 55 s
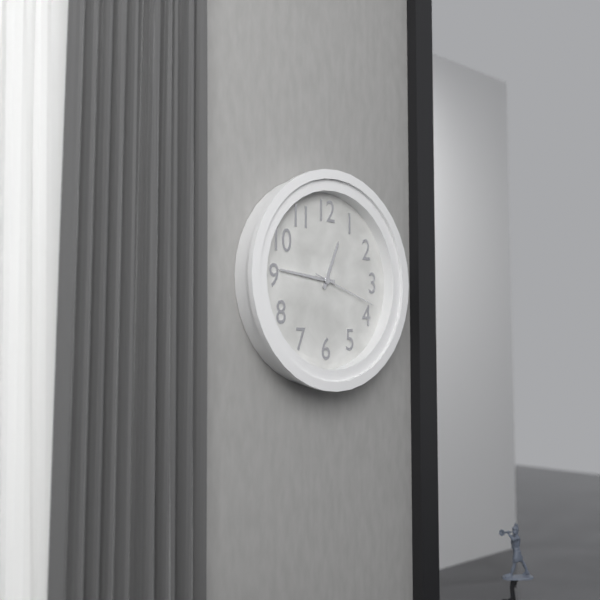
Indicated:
12 h 46 min 18 s
